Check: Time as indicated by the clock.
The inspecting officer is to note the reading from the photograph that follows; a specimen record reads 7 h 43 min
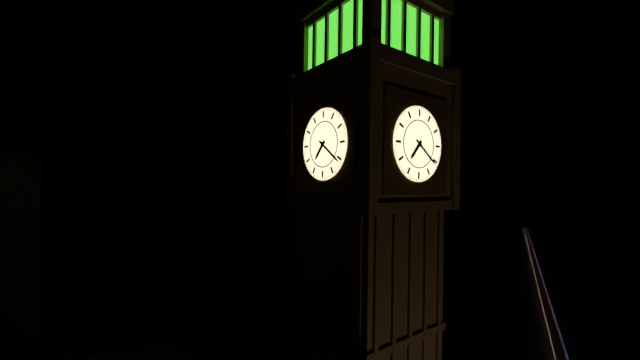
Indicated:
7 h 21 min
